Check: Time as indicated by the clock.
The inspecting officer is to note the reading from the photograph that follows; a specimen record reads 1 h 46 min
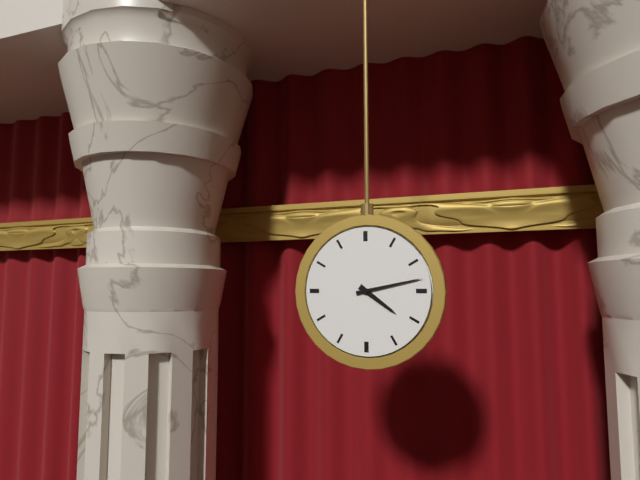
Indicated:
4 h 13 min
